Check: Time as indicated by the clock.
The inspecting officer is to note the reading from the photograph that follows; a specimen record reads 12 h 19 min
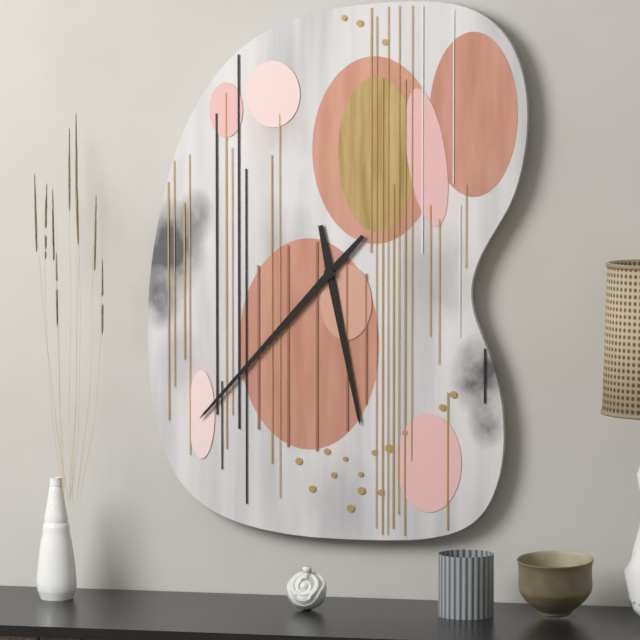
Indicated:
5 h 37 min
